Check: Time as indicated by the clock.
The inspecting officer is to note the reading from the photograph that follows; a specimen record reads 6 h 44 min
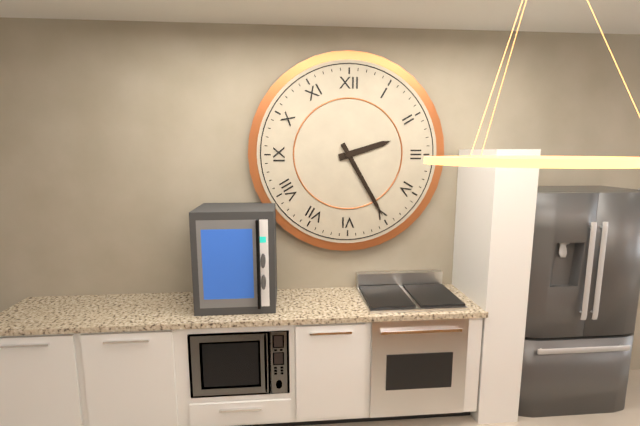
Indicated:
2 h 25 min
